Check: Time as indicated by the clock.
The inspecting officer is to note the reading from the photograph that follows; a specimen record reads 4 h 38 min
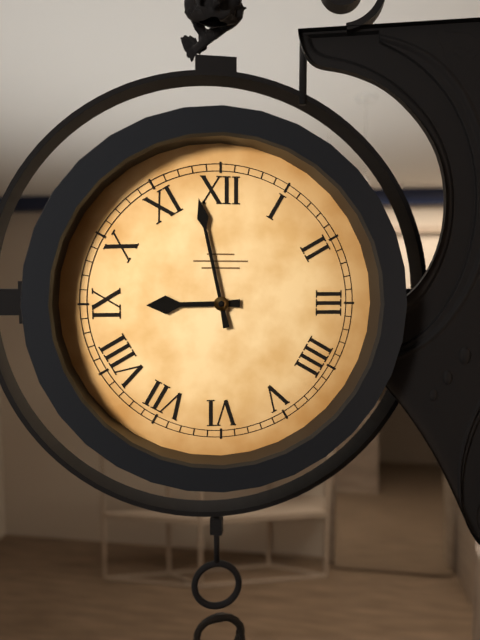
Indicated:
8 h 58 min
